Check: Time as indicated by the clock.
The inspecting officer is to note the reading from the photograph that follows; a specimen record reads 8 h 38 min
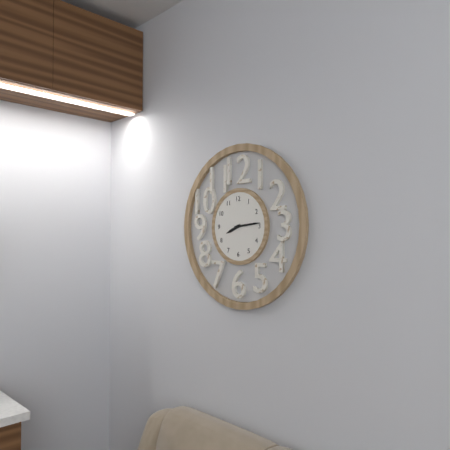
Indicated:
8 h 14 min
